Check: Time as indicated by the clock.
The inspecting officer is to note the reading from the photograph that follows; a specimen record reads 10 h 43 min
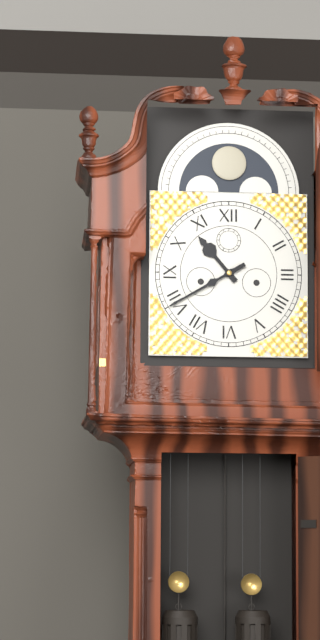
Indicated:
10 h 40 min
